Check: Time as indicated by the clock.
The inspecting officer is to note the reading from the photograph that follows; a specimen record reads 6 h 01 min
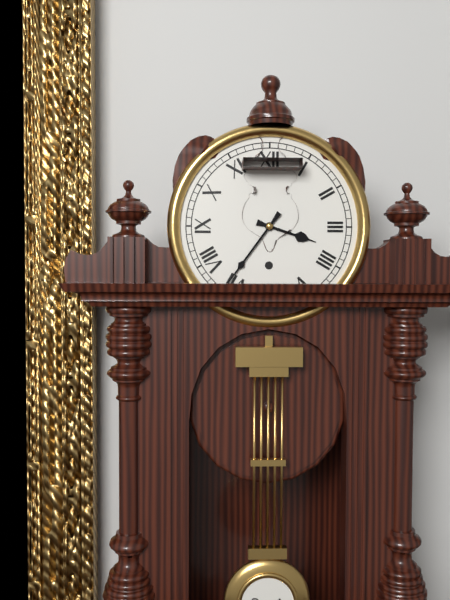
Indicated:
3 h 36 min
